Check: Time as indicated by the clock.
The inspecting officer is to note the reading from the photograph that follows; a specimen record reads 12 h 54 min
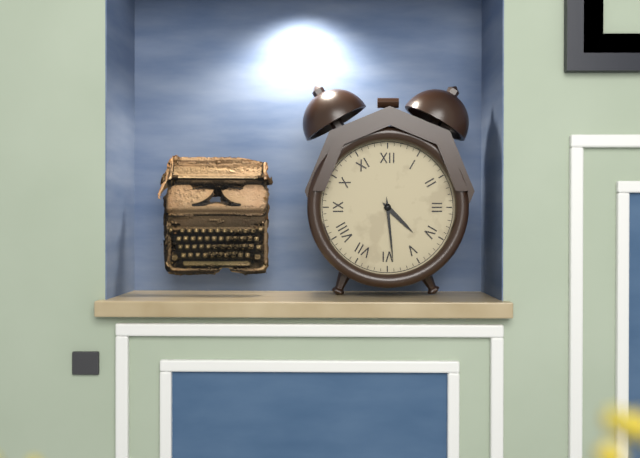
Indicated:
4 h 29 min
